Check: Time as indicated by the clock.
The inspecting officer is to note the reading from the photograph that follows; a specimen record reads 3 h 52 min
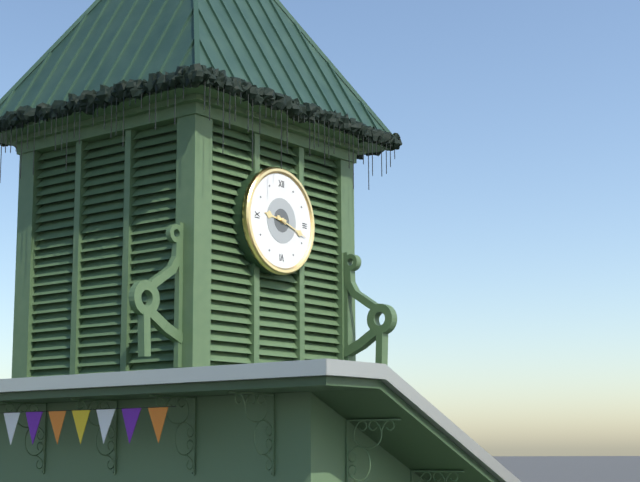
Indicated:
9 h 18 min
